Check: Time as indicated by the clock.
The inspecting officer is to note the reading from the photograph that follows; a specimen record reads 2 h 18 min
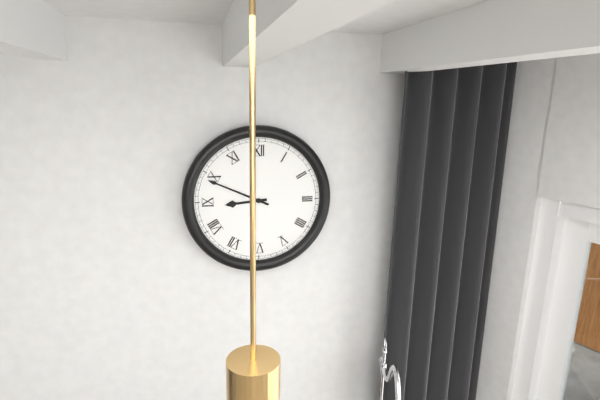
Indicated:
8 h 49 min
